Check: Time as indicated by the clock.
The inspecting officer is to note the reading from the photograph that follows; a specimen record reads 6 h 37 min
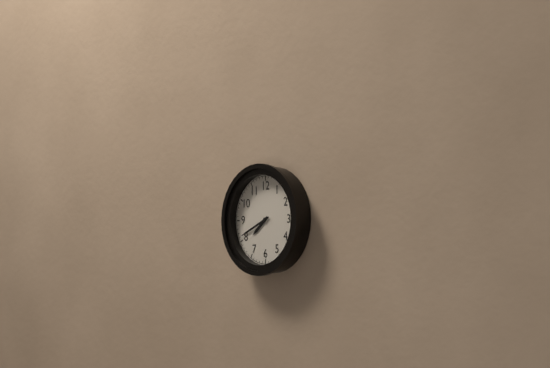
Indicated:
7 h 41 min
